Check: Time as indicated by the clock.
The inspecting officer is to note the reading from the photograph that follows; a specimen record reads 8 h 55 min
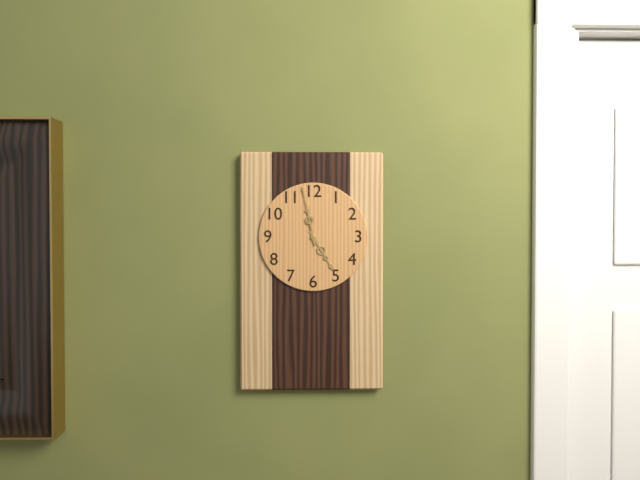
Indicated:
4 h 58 min
